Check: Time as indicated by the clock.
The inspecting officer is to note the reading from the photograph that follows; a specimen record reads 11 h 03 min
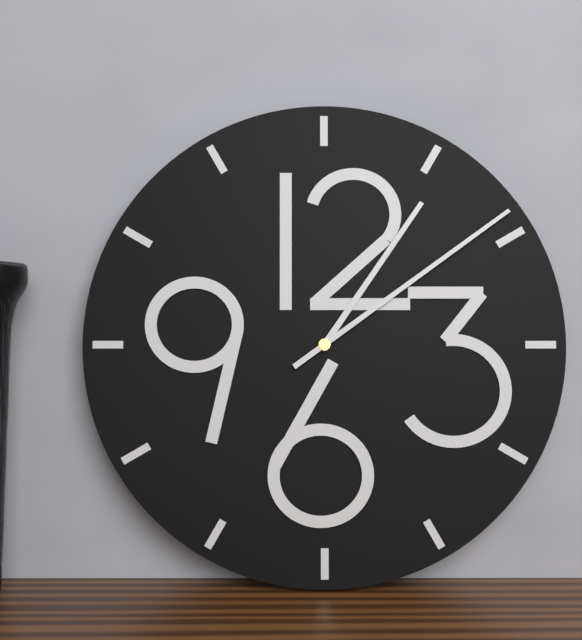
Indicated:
1 h 09 min
